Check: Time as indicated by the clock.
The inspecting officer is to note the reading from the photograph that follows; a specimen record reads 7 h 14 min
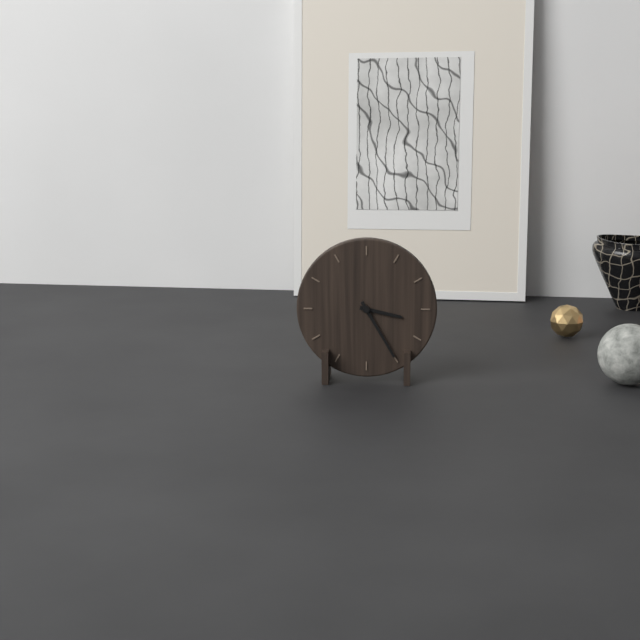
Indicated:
3 h 25 min
